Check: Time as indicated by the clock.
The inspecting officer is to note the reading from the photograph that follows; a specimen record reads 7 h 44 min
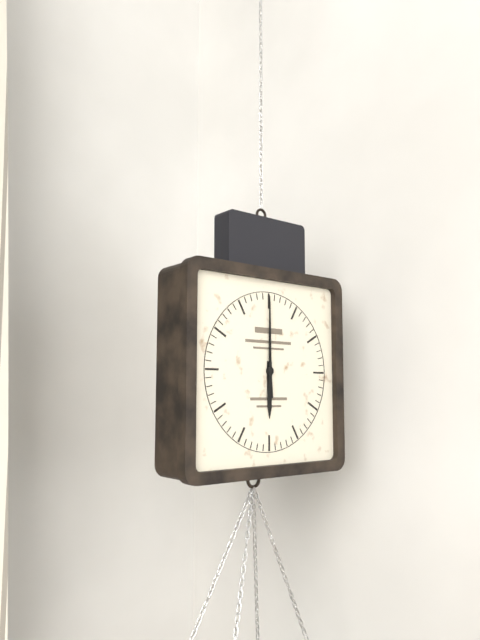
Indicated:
6 h 00 min
